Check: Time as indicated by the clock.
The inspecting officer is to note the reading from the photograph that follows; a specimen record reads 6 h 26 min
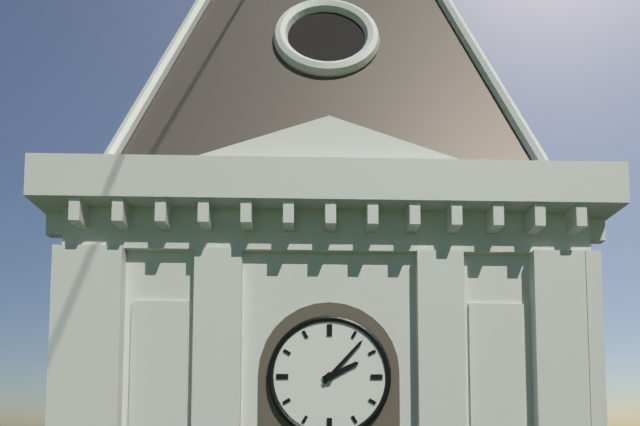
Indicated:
2 h 07 min
